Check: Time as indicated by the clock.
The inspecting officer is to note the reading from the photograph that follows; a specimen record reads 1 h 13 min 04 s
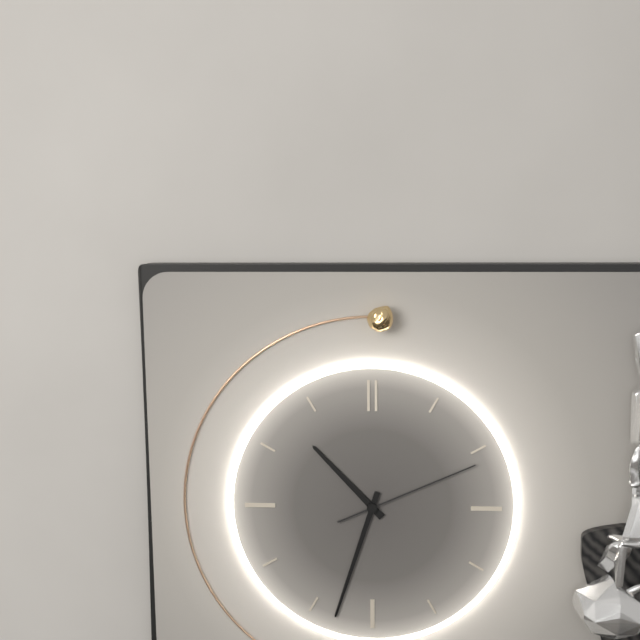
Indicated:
10 h 33 min 11 s
